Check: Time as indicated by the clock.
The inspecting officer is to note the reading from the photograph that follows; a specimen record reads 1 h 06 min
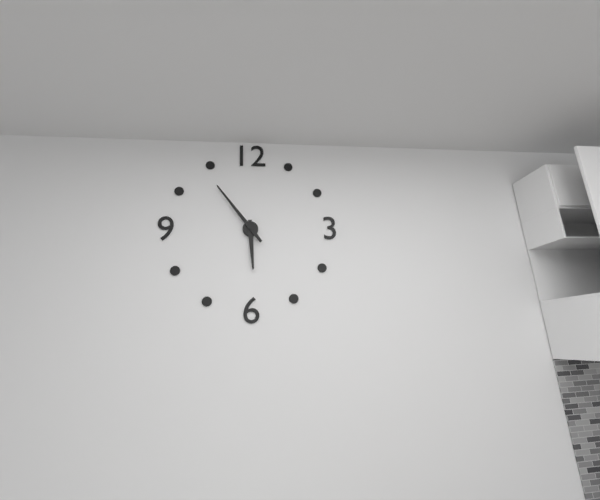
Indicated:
5 h 54 min
